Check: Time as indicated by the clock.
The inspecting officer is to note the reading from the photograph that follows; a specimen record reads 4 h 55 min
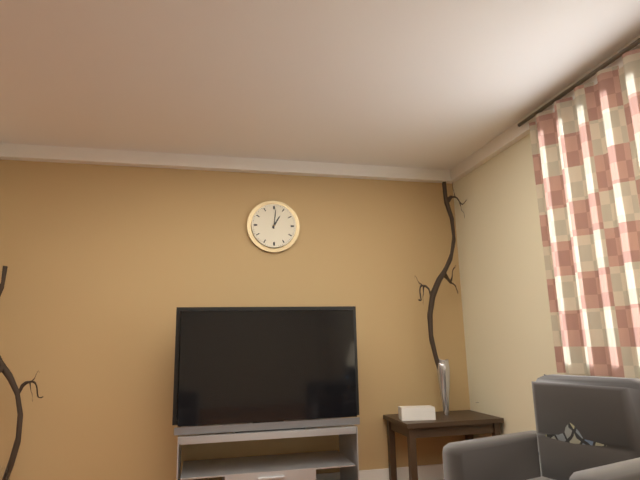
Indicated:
1 h 01 min
